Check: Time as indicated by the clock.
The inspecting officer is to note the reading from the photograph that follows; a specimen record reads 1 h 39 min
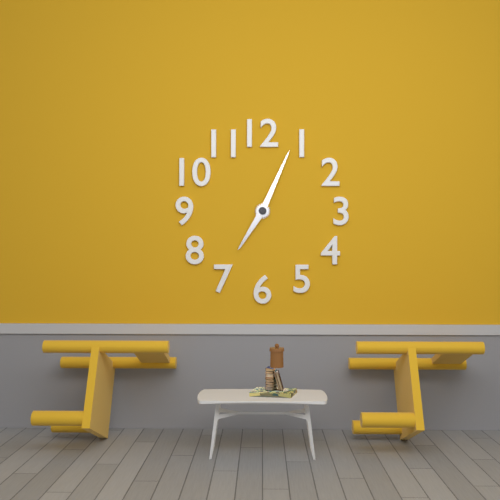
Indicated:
7 h 04 min
